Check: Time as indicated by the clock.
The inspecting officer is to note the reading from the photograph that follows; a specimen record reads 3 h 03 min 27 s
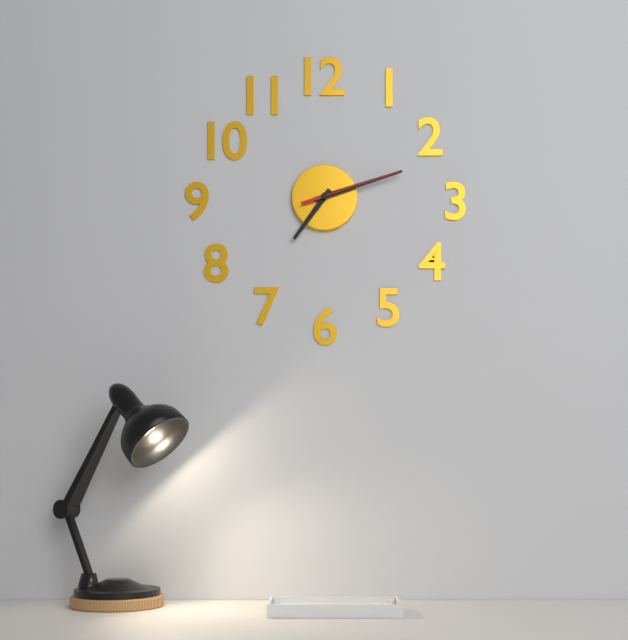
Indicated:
7 h 12 min 12 s
